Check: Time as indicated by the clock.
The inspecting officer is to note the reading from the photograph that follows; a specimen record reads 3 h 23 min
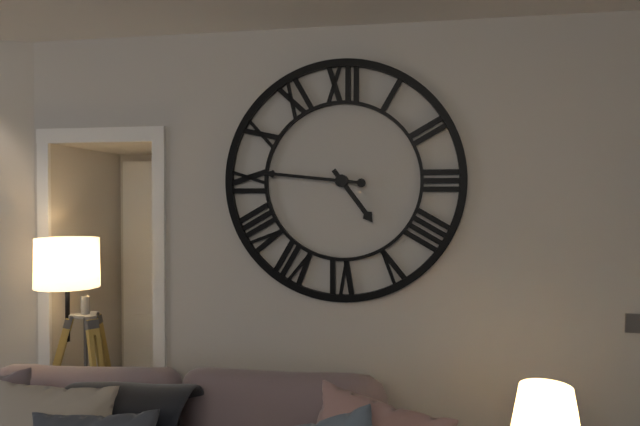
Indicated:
4 h 46 min
